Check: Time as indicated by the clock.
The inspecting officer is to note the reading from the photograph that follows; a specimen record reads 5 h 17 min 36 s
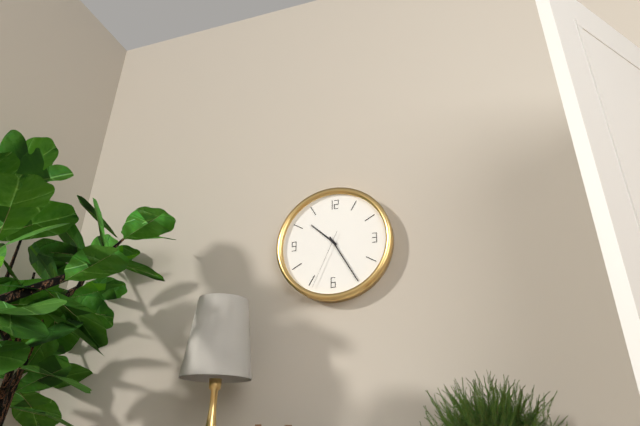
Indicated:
10 h 25 min 34 s
